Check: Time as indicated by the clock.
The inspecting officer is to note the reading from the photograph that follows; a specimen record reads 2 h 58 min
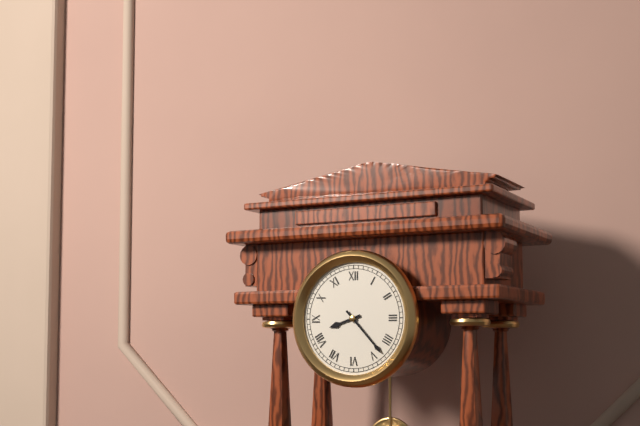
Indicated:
8 h 23 min
